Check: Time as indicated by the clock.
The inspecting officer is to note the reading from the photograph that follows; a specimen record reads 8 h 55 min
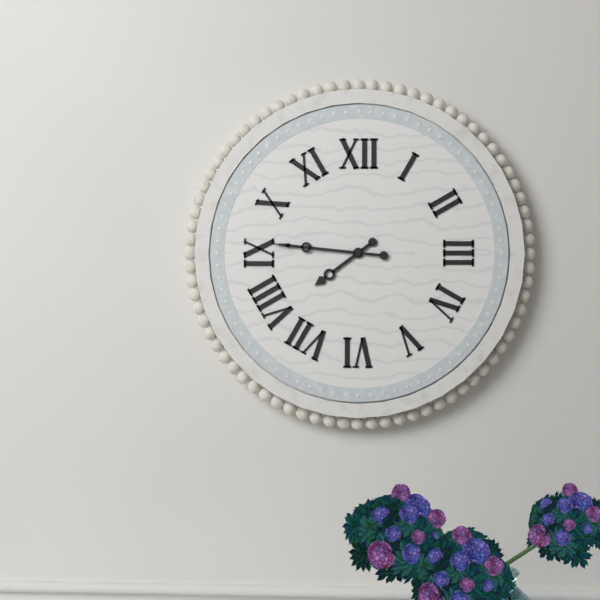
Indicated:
7 h 46 min
